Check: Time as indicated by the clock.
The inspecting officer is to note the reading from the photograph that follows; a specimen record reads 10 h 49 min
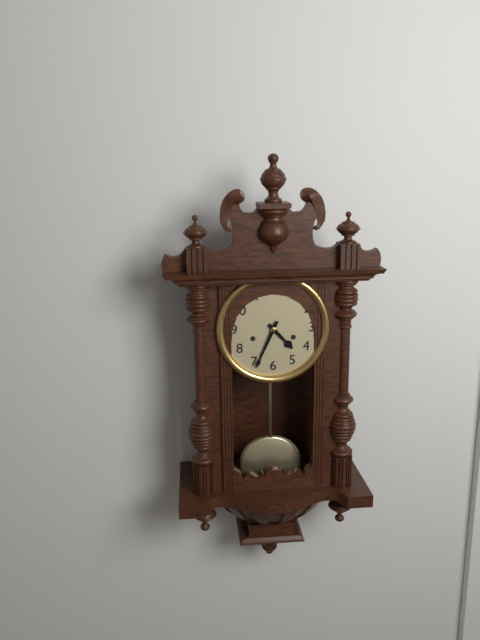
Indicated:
4 h 34 min
